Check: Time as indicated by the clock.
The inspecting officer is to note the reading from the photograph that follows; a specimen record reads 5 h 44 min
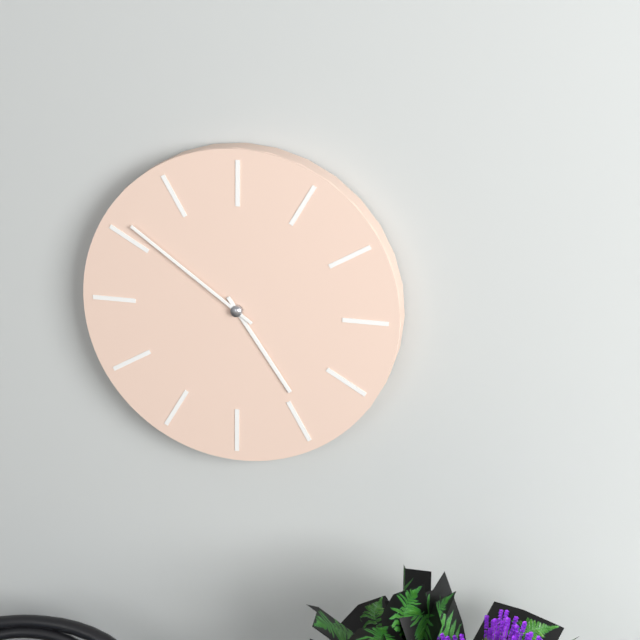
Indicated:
4 h 51 min
